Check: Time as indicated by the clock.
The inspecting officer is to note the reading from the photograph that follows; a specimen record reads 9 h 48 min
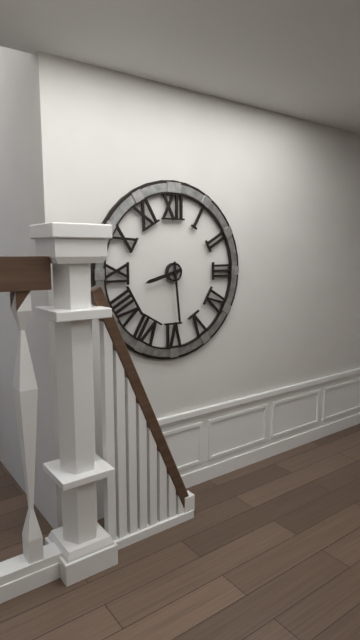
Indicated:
8 h 29 min
